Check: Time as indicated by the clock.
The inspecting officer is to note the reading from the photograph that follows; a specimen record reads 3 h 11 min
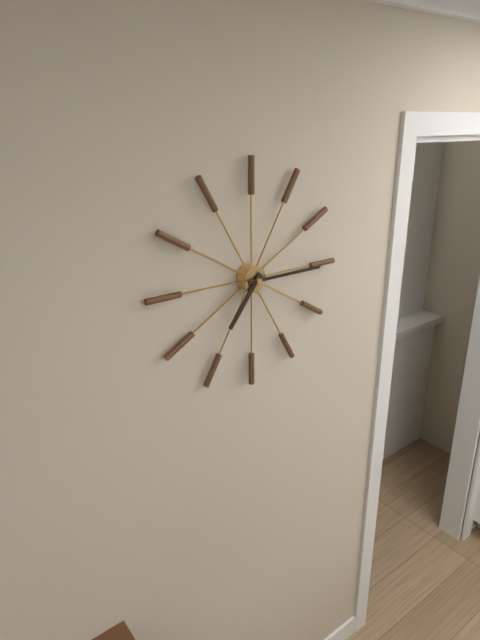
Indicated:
7 h 15 min
